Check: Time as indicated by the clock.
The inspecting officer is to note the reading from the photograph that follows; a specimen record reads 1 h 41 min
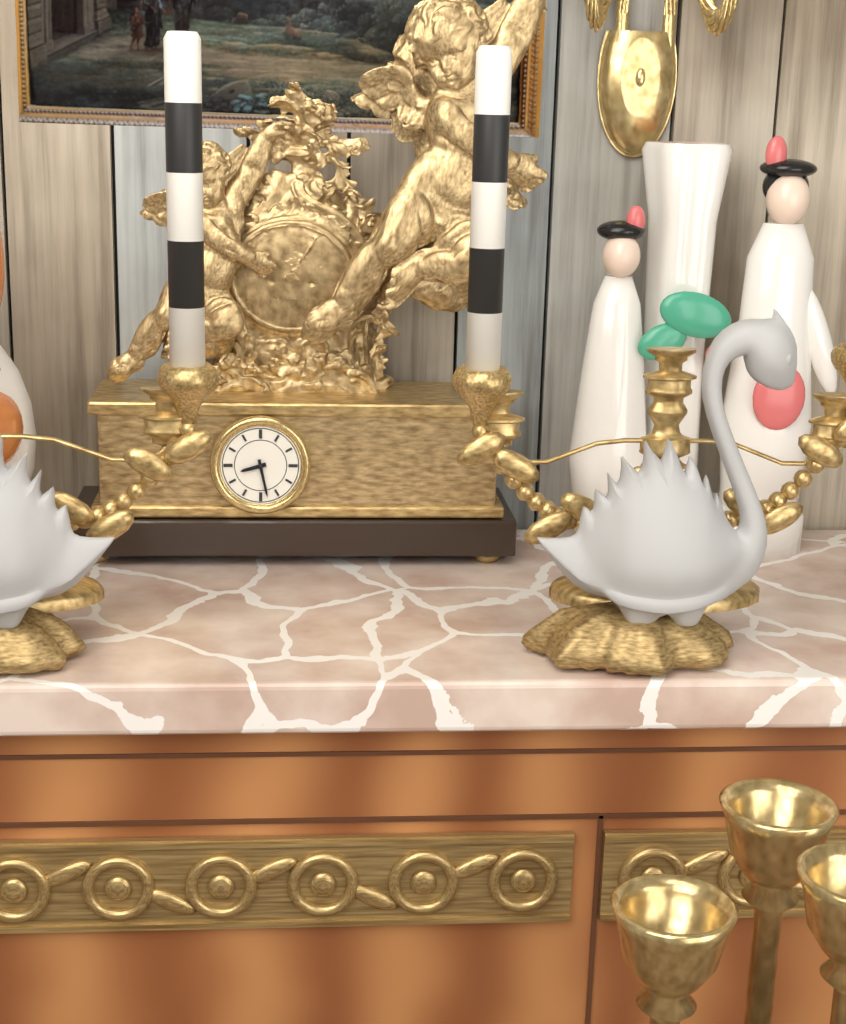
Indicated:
8 h 28 min
